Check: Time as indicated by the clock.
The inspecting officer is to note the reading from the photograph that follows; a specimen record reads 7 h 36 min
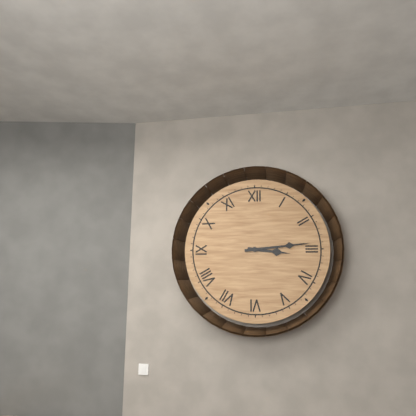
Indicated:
3 h 14 min
